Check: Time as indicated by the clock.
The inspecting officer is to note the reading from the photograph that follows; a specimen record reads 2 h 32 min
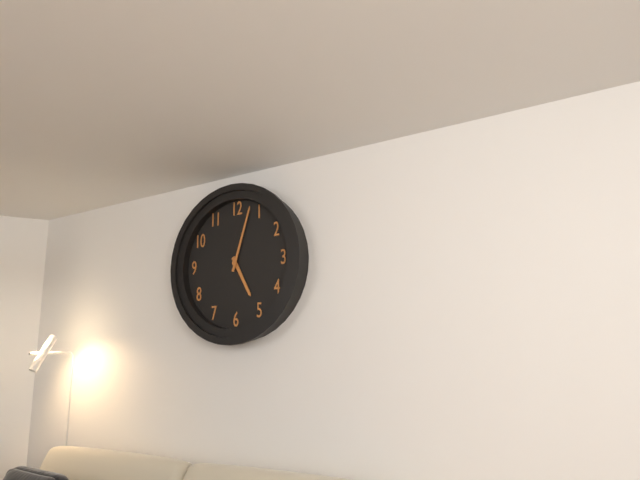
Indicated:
5 h 03 min
